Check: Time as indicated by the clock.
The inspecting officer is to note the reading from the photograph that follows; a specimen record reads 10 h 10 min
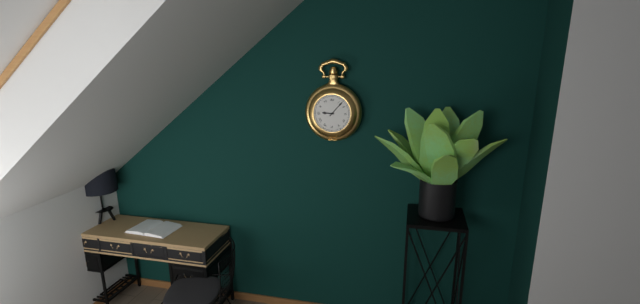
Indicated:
9 h 07 min
